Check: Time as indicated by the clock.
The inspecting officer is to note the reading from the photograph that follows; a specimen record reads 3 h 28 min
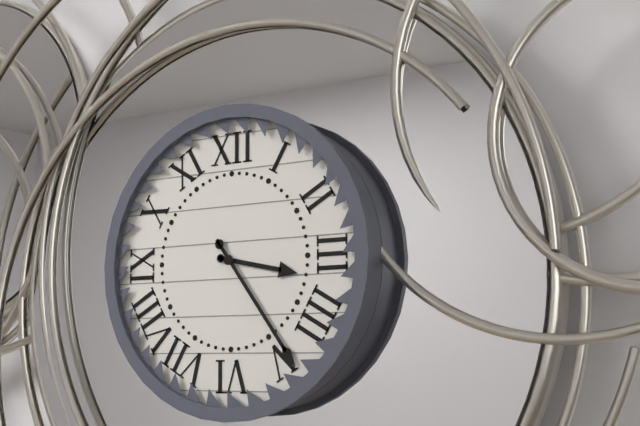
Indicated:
3 h 24 min
